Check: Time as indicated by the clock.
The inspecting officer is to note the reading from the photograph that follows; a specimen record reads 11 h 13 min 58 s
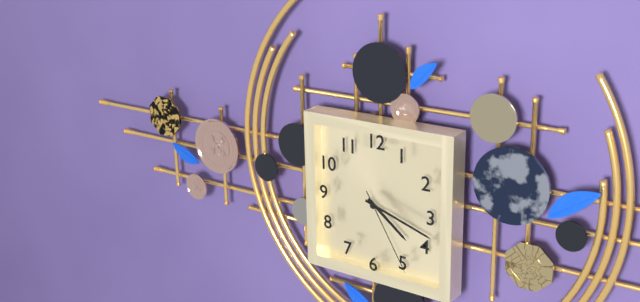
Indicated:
4 h 18 min 25 s
